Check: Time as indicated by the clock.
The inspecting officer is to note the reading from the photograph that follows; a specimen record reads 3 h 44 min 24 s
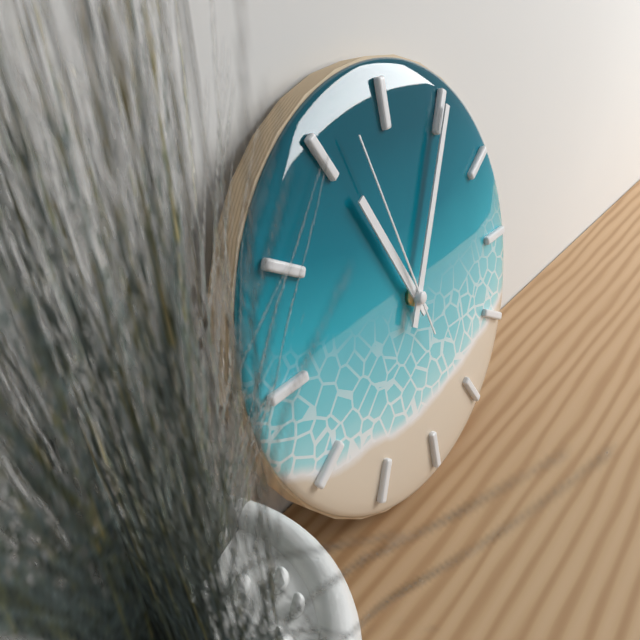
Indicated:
11 h 05 min 57 s
